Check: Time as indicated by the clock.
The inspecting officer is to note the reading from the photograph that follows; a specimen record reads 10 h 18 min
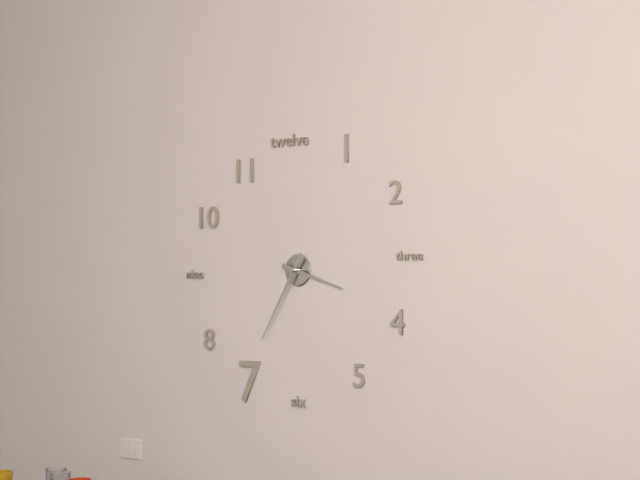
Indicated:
3 h 35 min
